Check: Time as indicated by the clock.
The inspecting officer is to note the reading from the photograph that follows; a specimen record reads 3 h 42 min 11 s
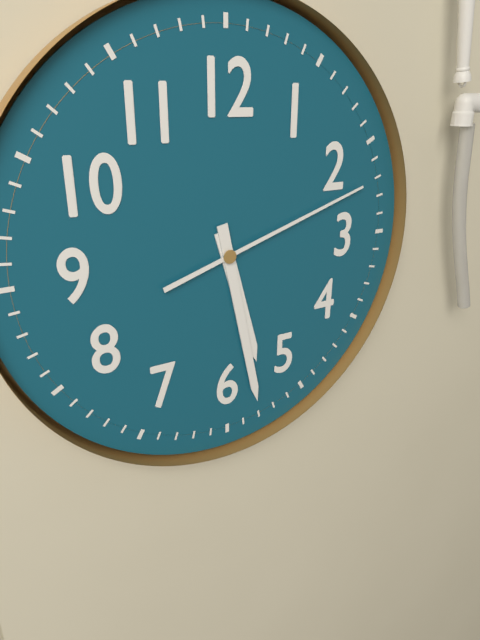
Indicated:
5 h 28 min 12 s
